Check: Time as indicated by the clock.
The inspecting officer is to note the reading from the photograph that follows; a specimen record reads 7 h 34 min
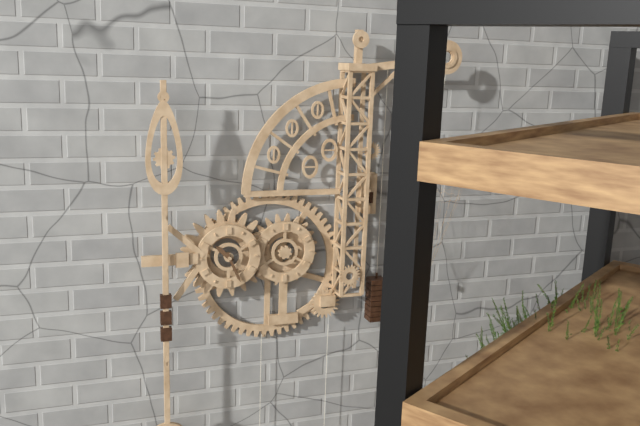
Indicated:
10 h 26 min
